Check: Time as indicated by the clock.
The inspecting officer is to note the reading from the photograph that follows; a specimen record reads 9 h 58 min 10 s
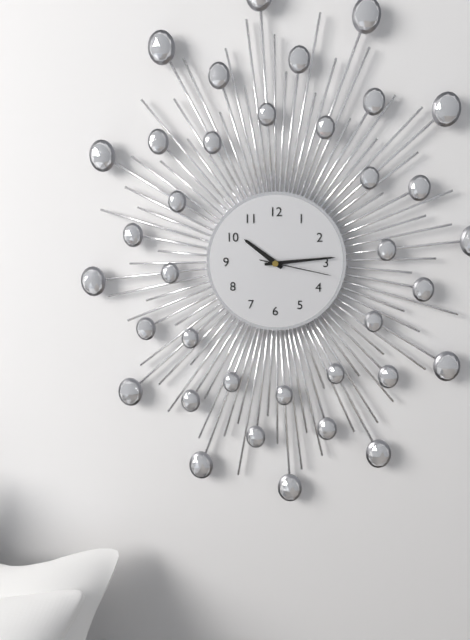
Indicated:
10 h 14 min 17 s
